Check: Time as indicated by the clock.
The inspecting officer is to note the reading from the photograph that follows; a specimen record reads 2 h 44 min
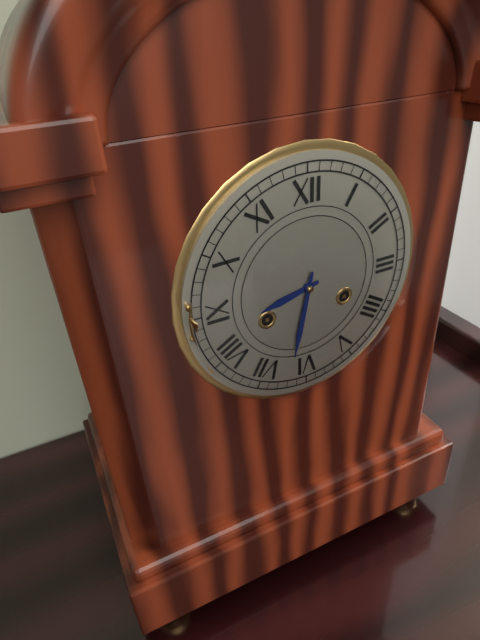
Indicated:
8 h 32 min
